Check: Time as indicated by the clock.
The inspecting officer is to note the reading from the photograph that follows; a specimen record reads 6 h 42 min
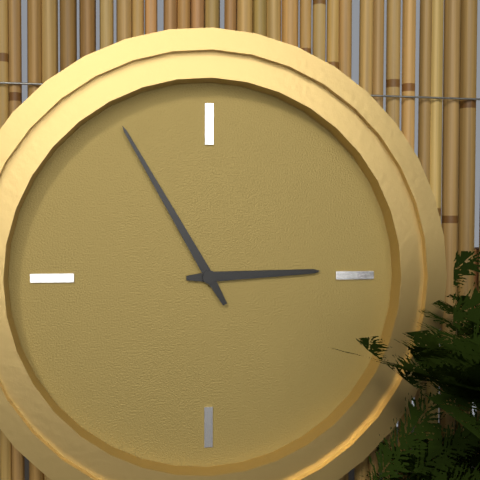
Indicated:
2 h 55 min
